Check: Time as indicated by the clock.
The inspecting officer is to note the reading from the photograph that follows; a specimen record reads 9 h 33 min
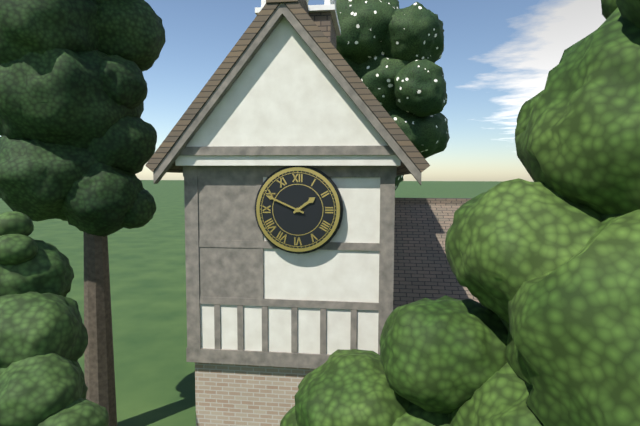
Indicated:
1 h 49 min
